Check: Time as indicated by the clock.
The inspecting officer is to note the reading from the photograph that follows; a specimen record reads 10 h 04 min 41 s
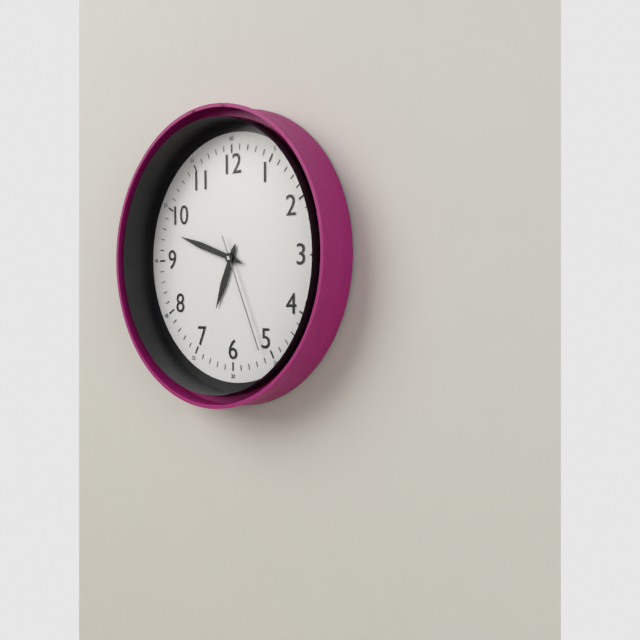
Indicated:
6 h 48 min 26 s
